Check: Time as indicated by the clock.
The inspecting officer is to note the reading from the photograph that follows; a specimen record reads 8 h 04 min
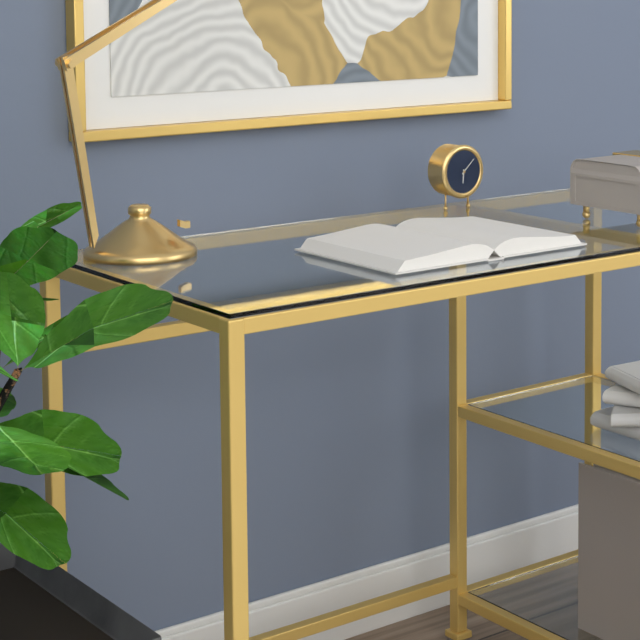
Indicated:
6 h 08 min
